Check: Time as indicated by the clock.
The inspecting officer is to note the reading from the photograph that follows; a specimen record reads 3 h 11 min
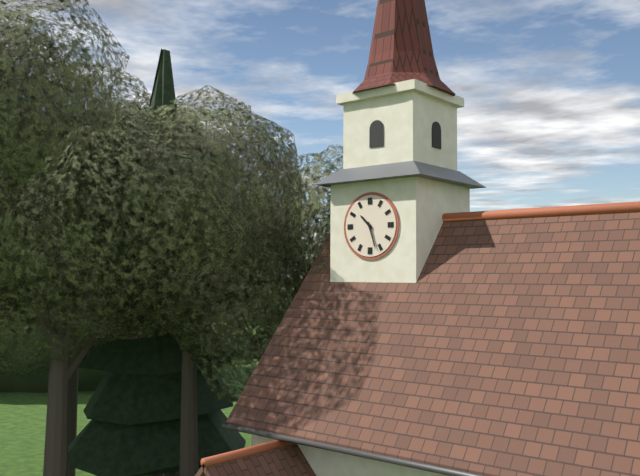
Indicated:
10 h 27 min
